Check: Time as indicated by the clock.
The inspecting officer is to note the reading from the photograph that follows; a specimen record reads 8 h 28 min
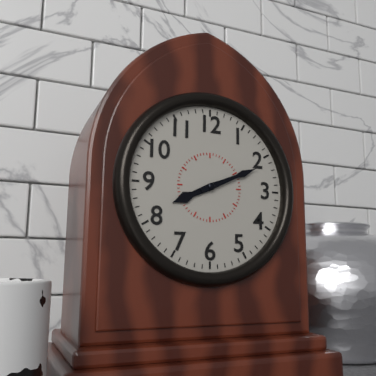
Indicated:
8 h 11 min
